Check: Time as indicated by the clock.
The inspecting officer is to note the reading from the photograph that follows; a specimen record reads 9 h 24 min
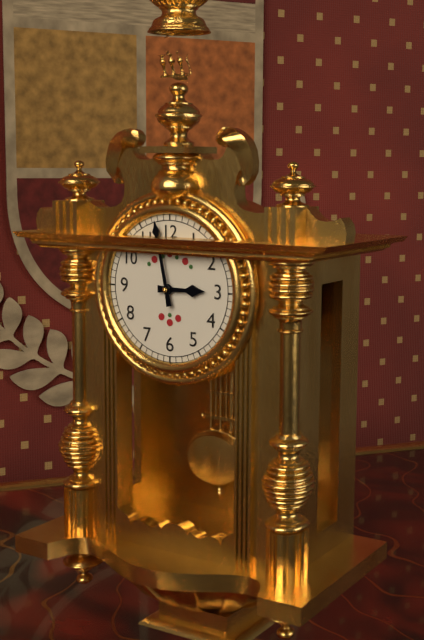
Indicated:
2 h 58 min
